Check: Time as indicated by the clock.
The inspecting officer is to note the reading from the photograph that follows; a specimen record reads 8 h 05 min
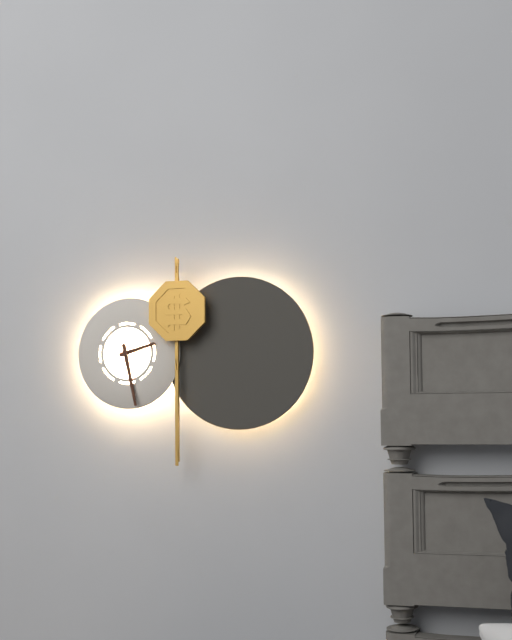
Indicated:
2 h 28 min
